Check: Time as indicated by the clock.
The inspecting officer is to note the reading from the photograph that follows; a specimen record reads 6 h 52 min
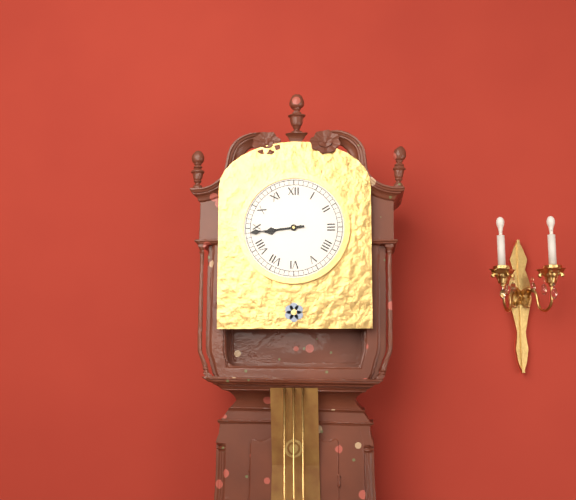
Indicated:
8 h 44 min
